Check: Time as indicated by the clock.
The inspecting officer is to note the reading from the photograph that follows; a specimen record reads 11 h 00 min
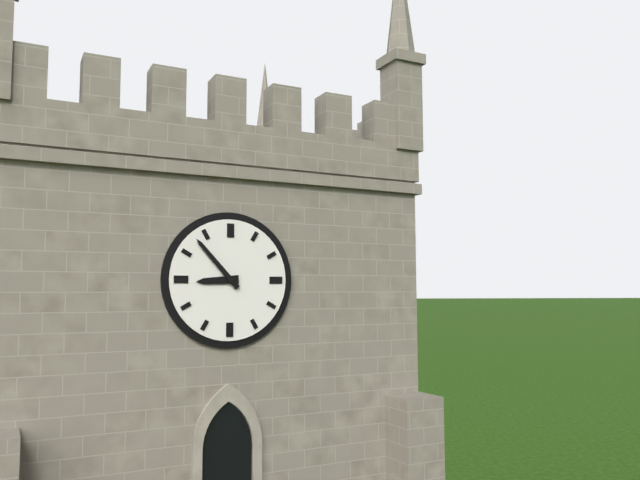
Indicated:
8 h 53 min
